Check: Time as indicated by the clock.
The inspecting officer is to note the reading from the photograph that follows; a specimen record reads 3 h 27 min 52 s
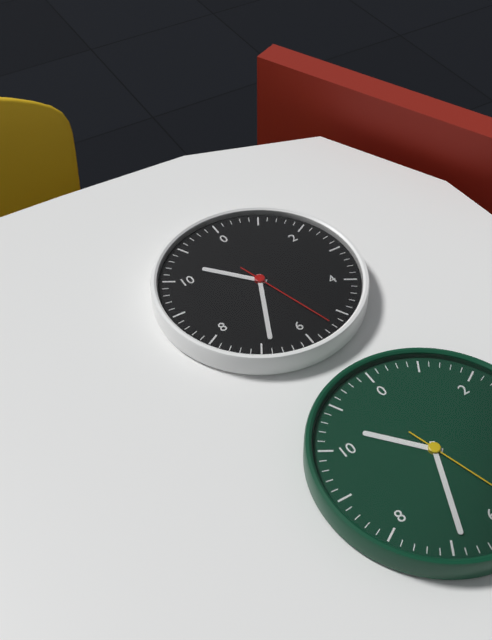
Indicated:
10 h 34 min 27 s
